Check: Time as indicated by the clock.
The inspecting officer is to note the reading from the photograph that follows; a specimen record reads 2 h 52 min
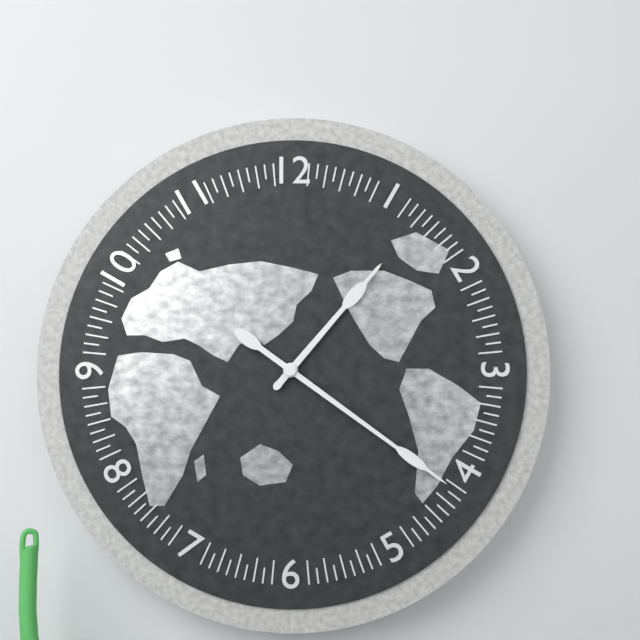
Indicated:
1 h 21 min
